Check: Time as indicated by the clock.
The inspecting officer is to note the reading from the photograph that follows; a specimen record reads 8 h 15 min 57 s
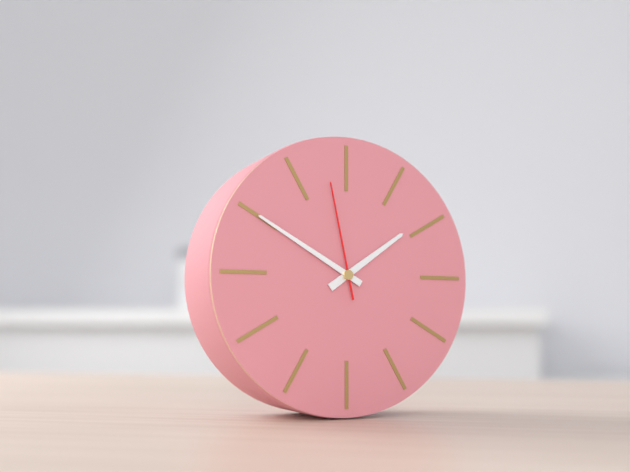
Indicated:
1 h 50 min 58 s
